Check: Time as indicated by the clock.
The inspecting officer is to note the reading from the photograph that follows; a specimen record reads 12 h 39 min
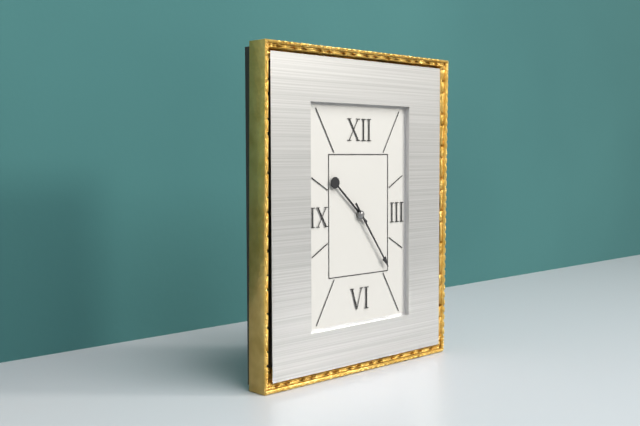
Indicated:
10 h 24 min
